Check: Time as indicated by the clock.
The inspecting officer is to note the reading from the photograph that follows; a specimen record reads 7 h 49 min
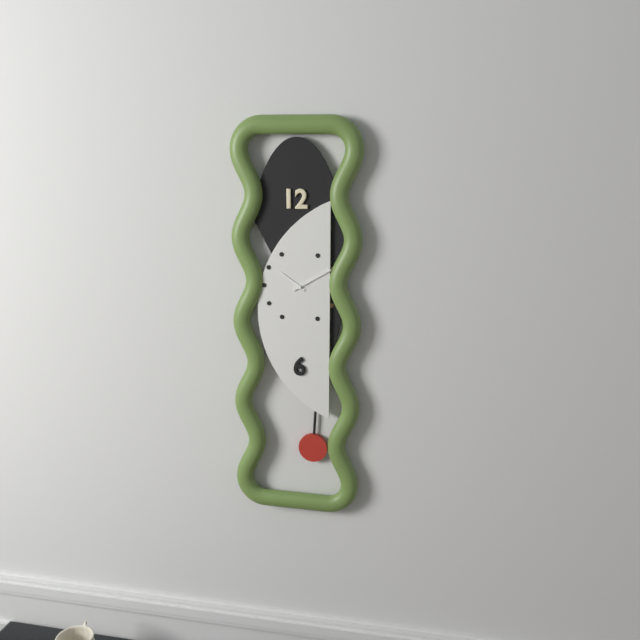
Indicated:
10 h 10 min
